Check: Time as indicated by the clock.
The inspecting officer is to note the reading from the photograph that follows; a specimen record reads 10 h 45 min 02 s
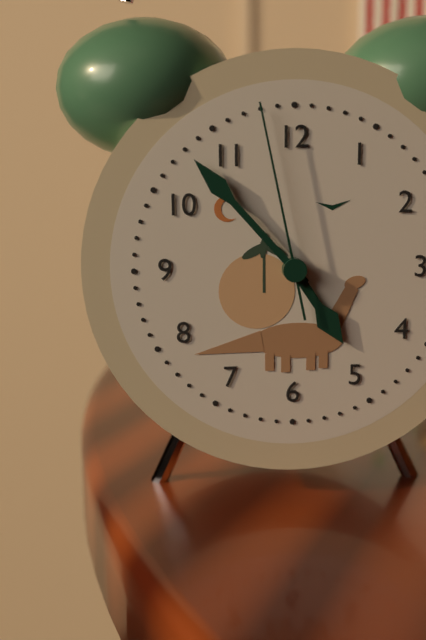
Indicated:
4 h 53 min 58 s
